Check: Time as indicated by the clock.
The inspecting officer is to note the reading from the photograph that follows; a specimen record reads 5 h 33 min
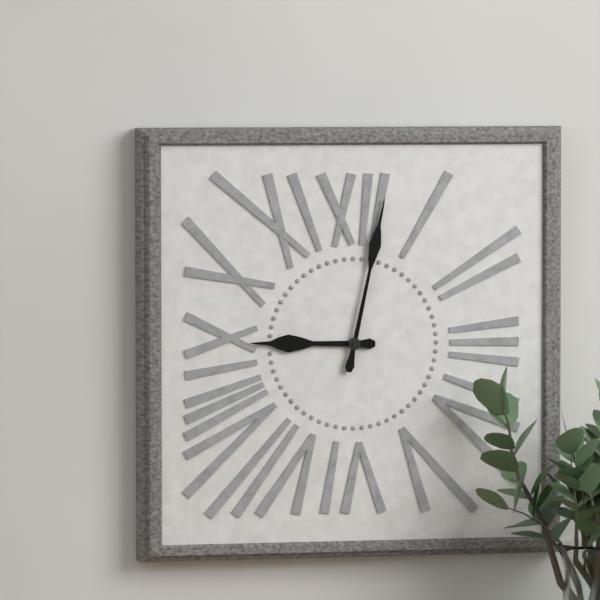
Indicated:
9 h 02 min
